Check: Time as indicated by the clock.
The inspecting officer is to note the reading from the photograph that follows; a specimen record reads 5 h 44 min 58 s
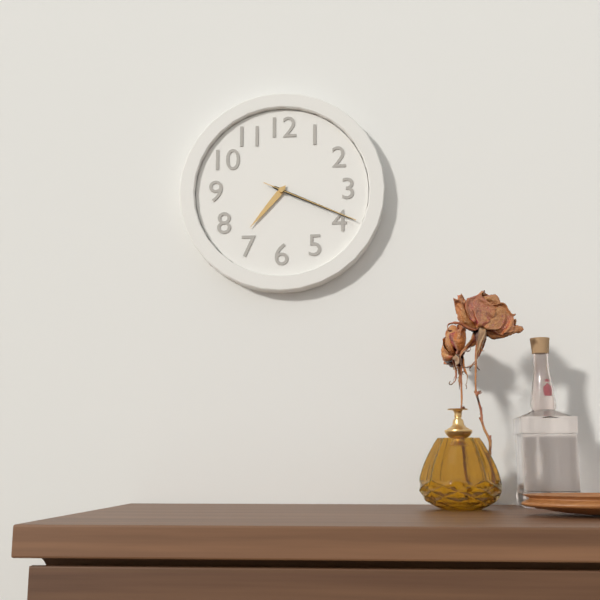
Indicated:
7 h 19 min 19 s
